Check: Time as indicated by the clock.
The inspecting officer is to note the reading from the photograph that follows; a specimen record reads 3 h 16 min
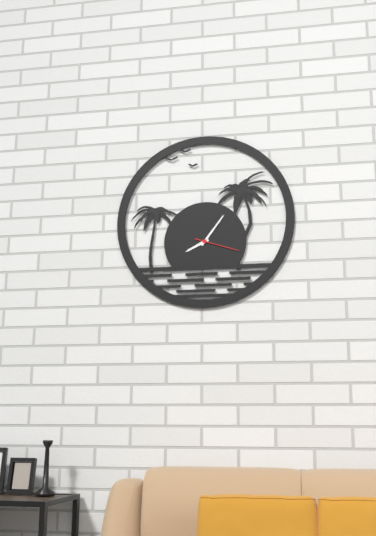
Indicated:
8 h 06 min
